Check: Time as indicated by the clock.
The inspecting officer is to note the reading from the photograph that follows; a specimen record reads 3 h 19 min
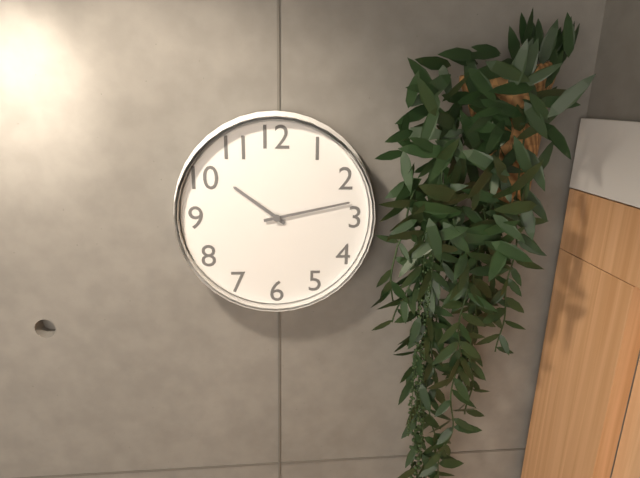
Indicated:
10 h 13 min
